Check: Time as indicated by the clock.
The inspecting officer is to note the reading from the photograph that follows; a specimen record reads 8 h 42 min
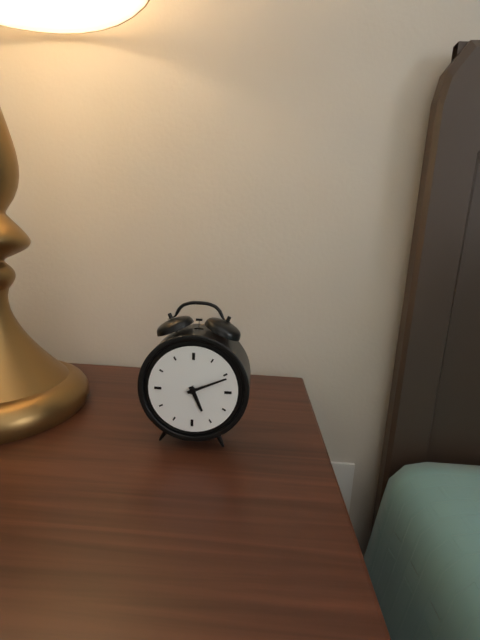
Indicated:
5 h 11 min
